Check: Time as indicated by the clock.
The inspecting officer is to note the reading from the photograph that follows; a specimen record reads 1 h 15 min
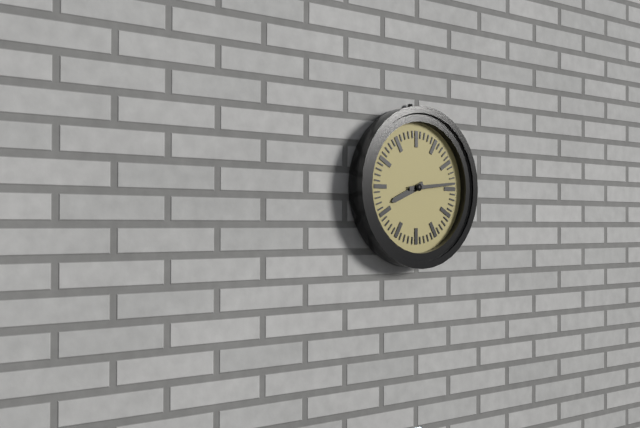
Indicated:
8 h 14 min
